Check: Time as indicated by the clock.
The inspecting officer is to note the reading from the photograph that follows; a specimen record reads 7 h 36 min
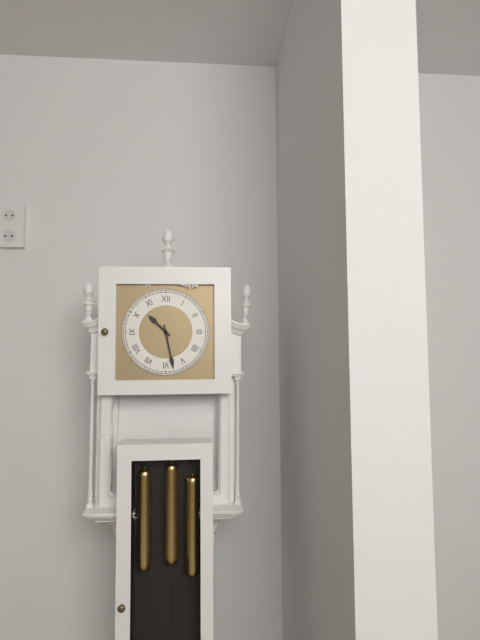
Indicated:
10 h 28 min
